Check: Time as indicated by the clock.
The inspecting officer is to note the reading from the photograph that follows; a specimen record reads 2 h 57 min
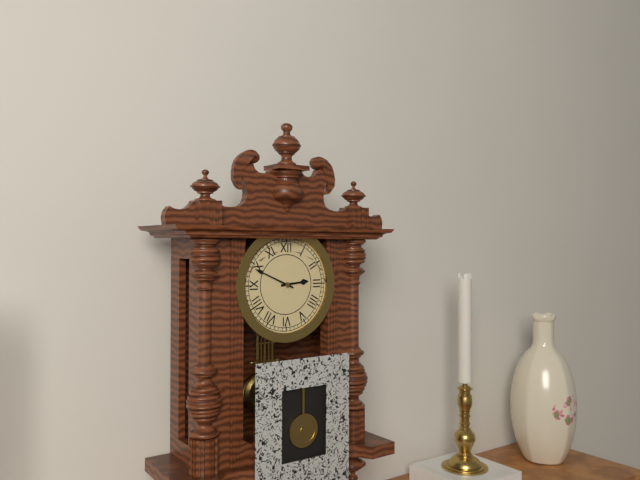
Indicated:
2 h 49 min
